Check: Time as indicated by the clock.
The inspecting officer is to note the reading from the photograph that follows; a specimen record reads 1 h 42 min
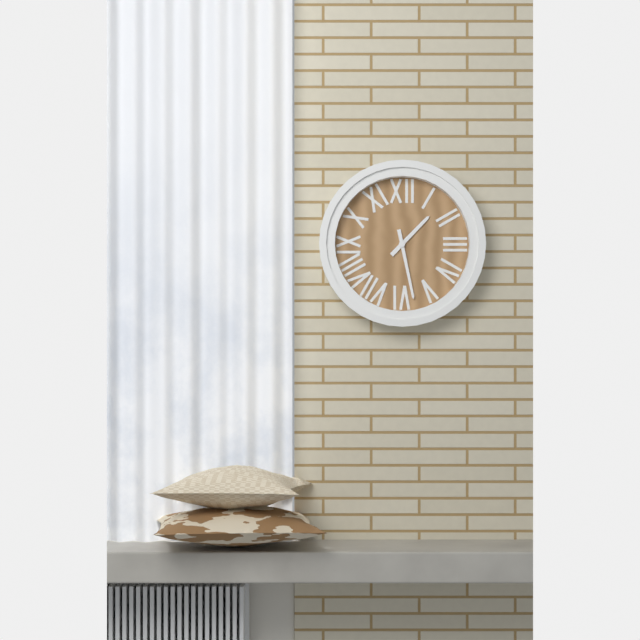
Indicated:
1 h 28 min
